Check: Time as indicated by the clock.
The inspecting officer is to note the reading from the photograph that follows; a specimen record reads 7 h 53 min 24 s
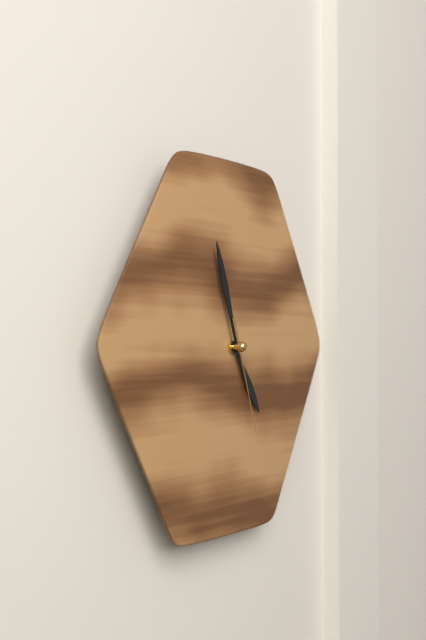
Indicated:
4 h 57 min 27 s
